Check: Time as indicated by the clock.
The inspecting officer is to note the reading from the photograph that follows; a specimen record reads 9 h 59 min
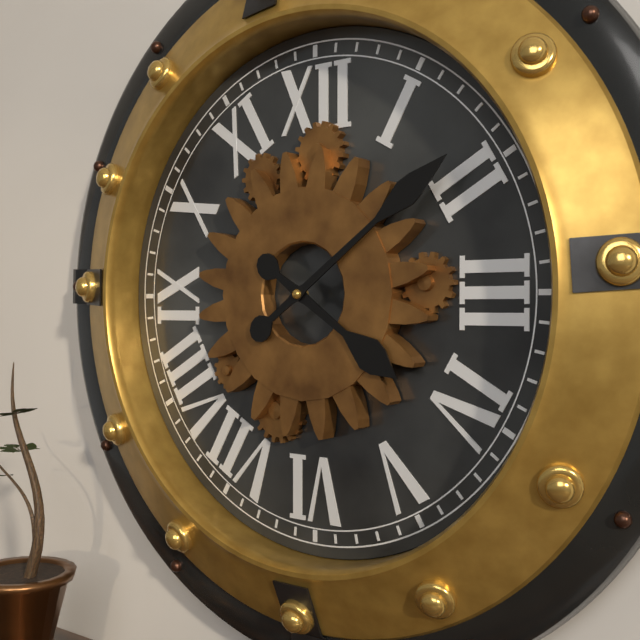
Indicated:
4 h 09 min
